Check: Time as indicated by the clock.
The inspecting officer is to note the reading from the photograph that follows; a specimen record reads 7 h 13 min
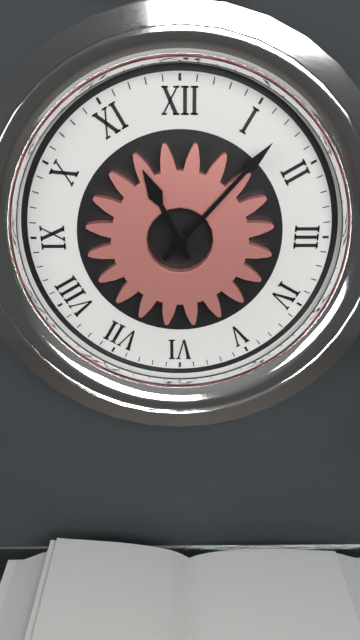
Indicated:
11 h 07 min
